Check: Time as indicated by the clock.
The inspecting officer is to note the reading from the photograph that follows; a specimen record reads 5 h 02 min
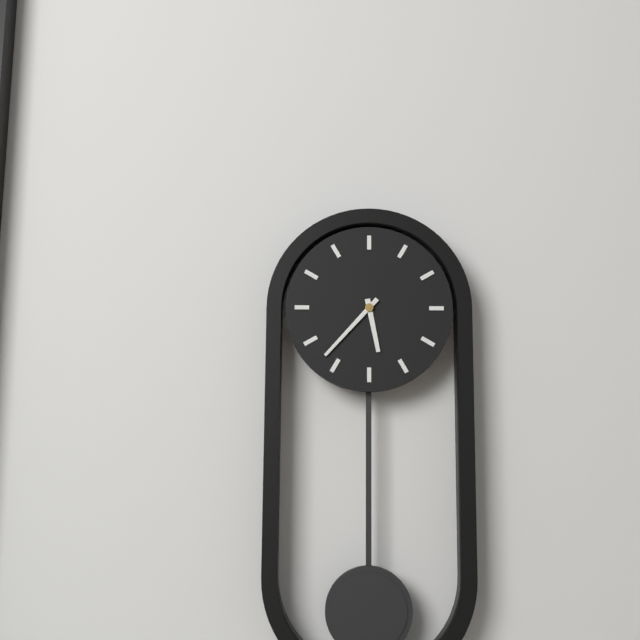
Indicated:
5 h 37 min
